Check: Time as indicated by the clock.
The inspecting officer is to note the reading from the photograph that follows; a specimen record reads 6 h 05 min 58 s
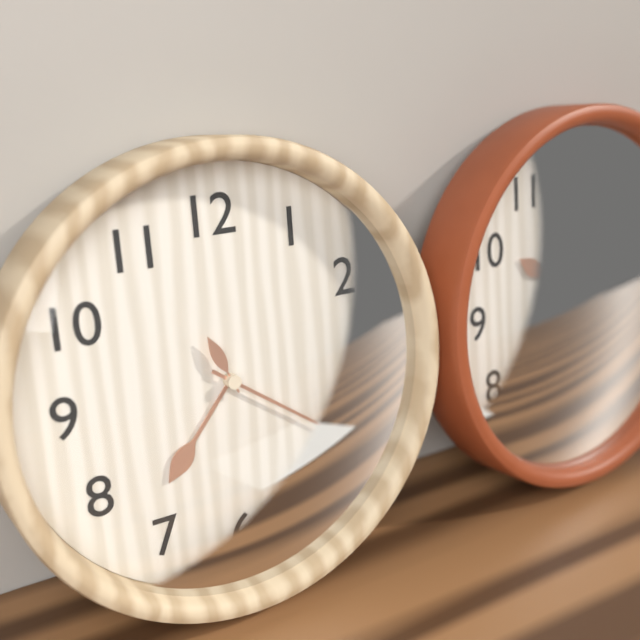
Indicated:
7 h 21 min 56 s
